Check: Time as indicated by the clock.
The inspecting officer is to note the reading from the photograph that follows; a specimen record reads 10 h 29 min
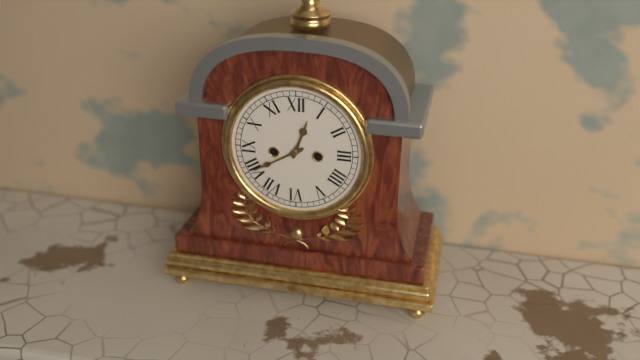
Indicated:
12 h 40 min
